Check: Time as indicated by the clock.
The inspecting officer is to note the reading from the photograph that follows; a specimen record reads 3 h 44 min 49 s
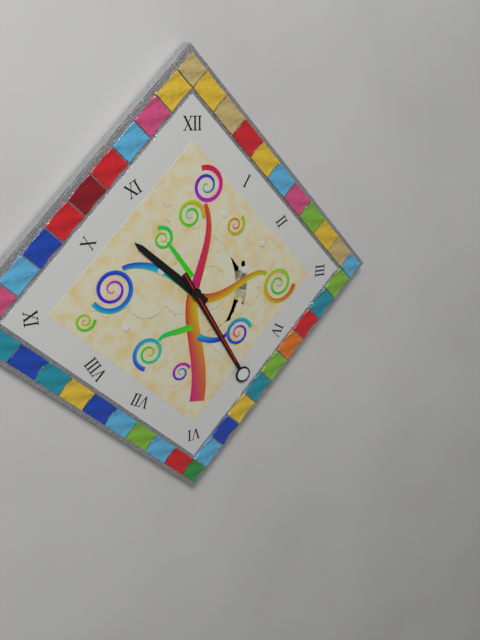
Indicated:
10 h 25 min 25 s
